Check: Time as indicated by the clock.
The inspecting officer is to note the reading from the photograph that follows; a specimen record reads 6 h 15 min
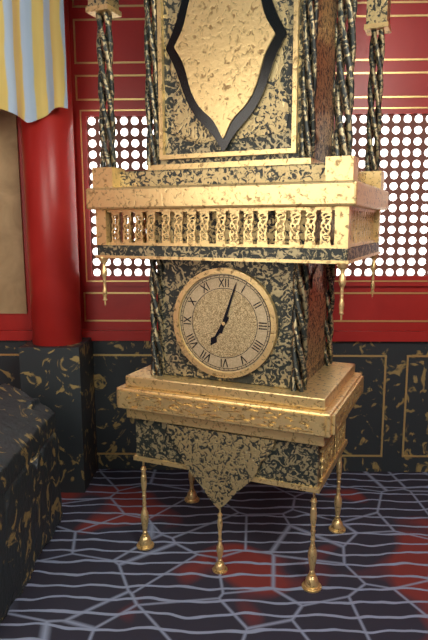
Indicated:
7 h 03 min
